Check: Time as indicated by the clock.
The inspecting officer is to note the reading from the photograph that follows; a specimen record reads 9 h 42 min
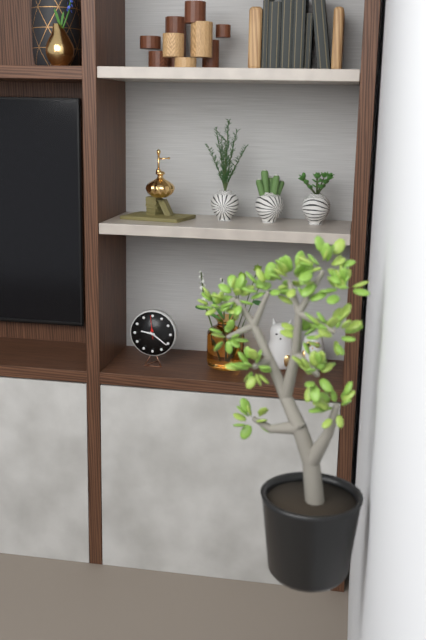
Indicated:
9 h 21 min
